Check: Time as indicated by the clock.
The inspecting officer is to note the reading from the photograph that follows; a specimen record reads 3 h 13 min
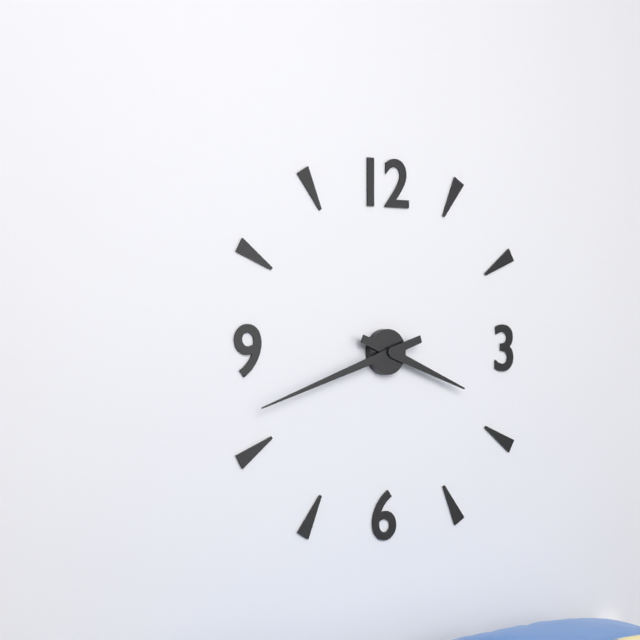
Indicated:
3 h 42 min
